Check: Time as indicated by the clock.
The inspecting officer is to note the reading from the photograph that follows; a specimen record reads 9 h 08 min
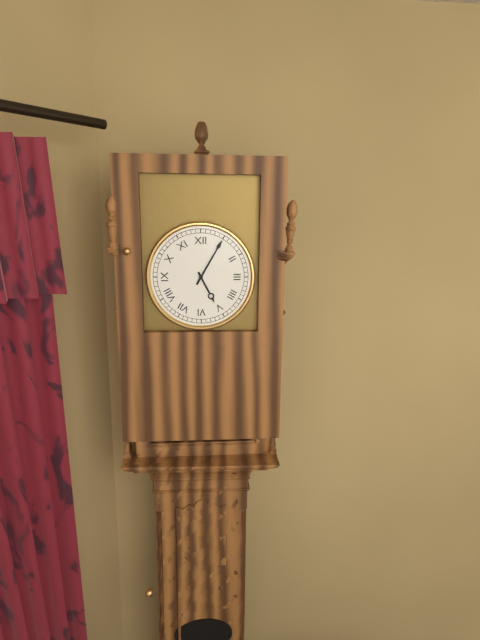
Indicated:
5 h 05 min
